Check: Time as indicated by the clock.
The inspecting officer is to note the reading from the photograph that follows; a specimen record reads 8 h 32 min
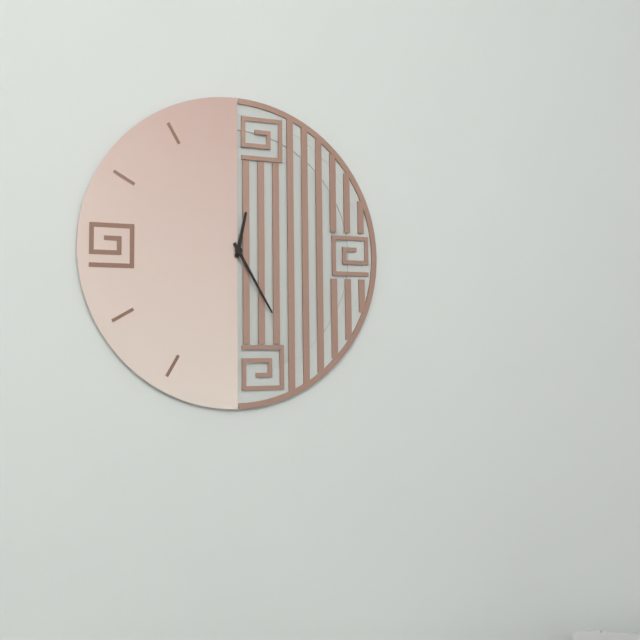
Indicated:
12 h 25 min
